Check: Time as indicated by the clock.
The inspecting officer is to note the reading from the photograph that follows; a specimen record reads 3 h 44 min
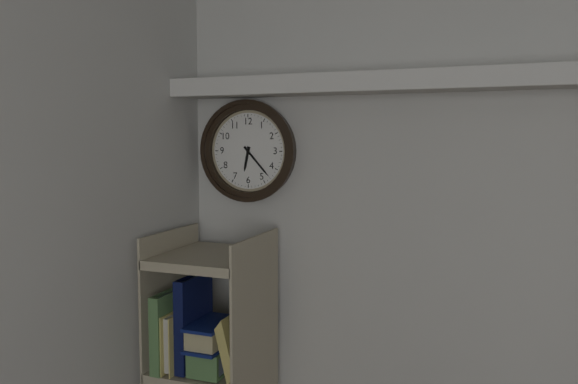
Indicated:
6 h 23 min
